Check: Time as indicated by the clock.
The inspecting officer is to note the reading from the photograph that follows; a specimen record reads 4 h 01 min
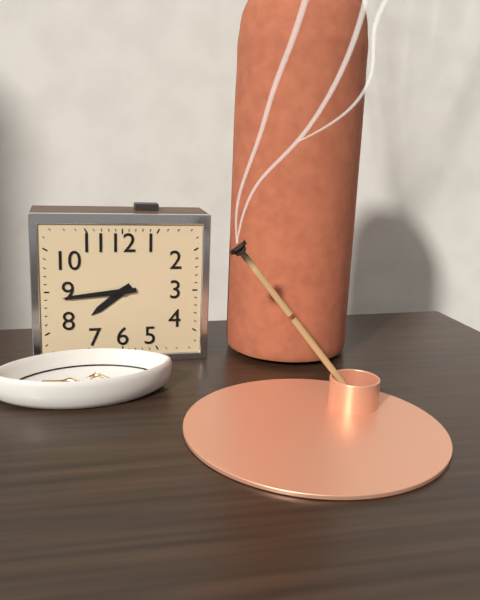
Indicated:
7 h 44 min
